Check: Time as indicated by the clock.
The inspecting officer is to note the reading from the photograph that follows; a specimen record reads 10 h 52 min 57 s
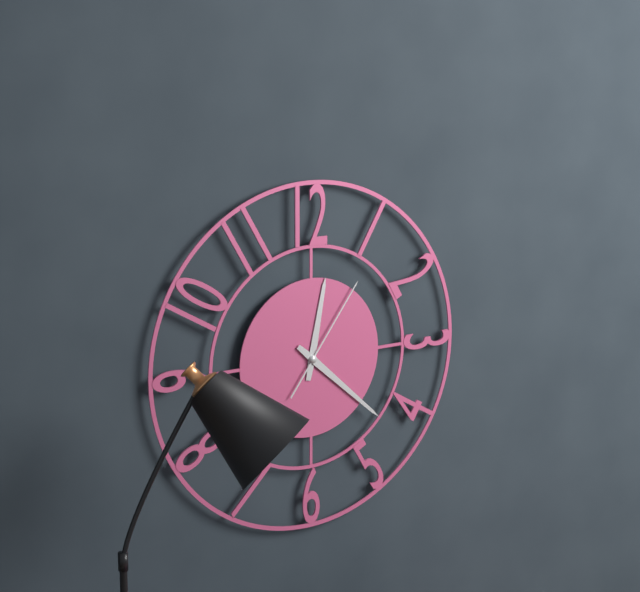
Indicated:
12 h 22 min 06 s
